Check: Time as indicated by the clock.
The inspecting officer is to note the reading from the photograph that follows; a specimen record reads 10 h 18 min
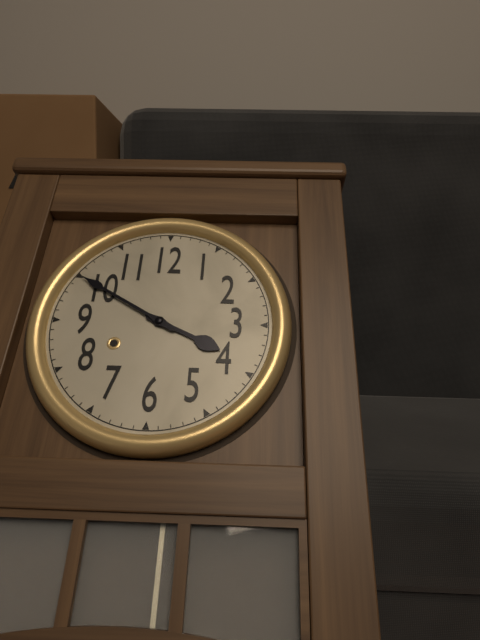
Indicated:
3 h 50 min
